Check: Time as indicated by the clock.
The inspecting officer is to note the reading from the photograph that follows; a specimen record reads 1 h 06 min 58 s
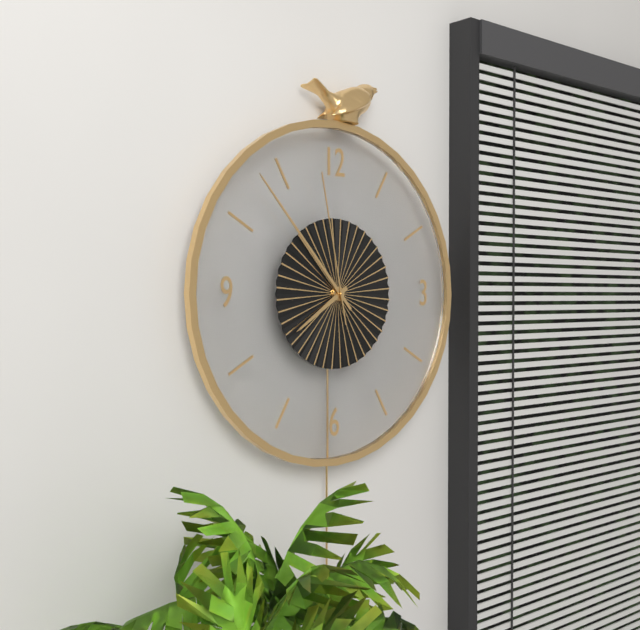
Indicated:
7 h 53 min 58 s
